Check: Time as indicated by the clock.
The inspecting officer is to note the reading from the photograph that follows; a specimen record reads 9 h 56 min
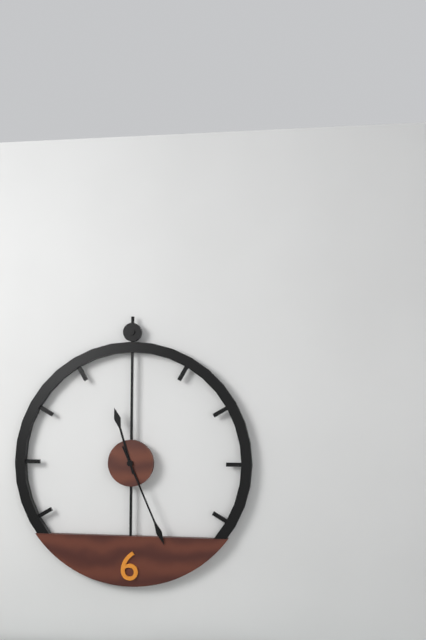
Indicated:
11 h 26 min
